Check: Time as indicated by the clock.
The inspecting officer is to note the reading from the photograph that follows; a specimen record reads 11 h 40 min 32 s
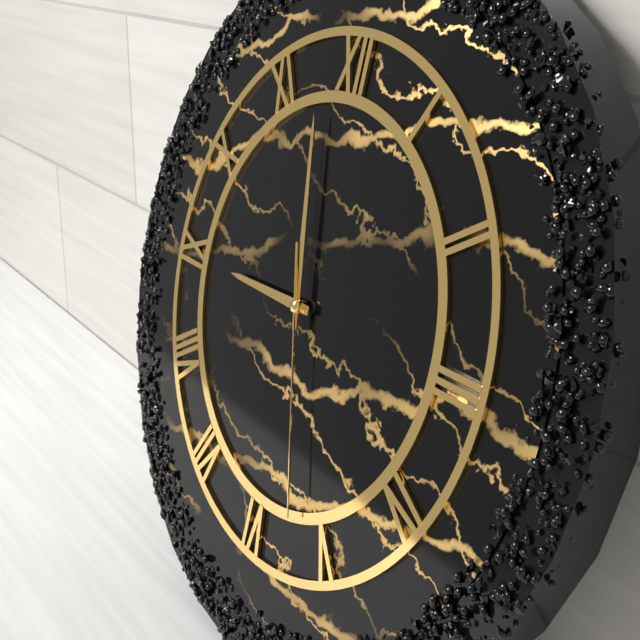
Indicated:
8 h 58 min 27 s
